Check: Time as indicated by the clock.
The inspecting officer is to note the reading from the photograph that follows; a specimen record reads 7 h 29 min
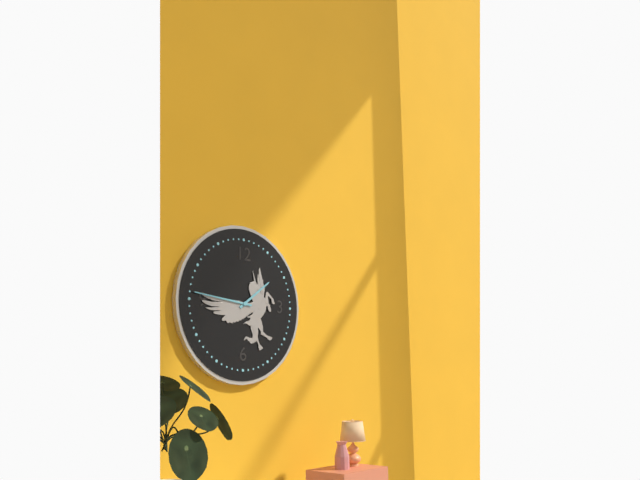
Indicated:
1 h 46 min
